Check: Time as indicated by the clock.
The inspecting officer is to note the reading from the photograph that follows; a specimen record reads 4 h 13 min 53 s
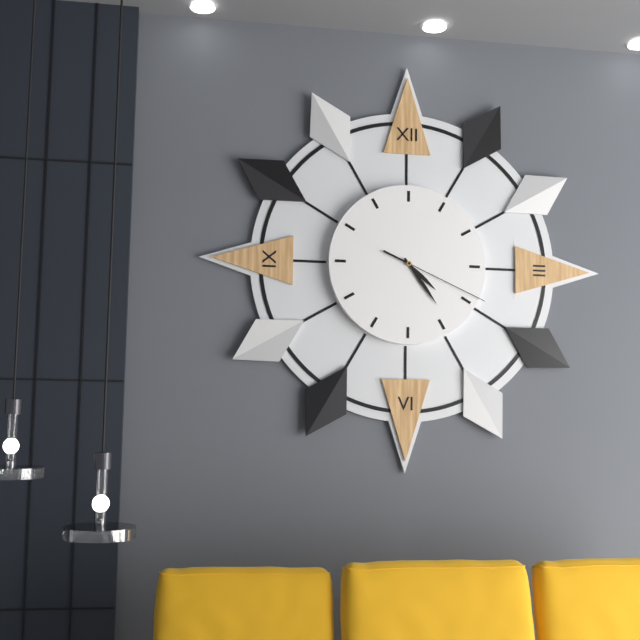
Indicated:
4 h 24 min 19 s
